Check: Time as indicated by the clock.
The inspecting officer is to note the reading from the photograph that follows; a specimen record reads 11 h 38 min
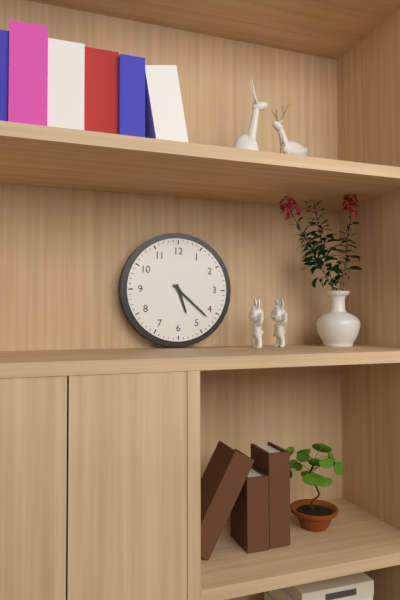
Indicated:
5 h 22 min
